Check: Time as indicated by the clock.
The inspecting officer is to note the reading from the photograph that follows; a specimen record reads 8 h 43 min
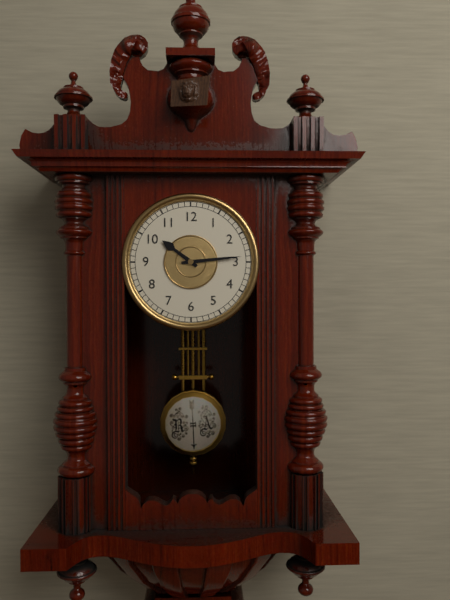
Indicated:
10 h 14 min
